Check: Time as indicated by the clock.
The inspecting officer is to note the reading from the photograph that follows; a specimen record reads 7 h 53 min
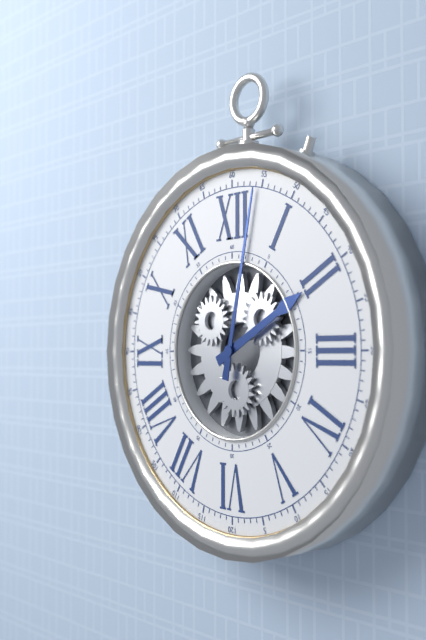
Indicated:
2 h 02 min
